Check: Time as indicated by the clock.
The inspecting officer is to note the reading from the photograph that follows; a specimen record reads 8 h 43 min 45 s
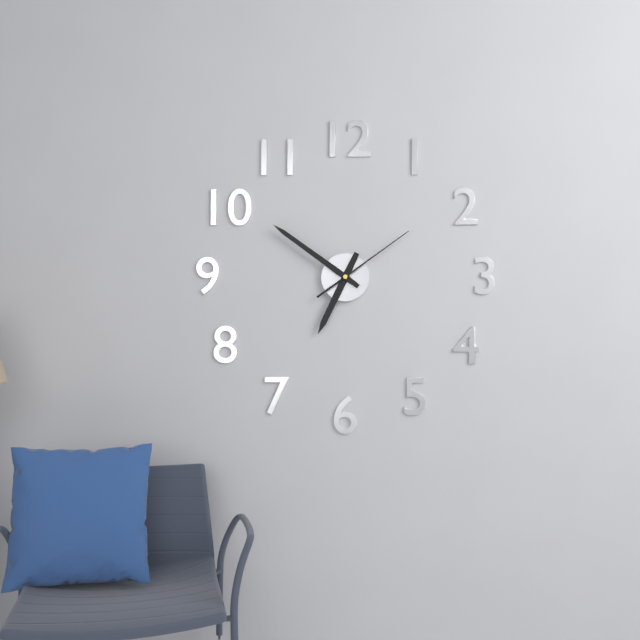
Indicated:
6 h 51 min 09 s
